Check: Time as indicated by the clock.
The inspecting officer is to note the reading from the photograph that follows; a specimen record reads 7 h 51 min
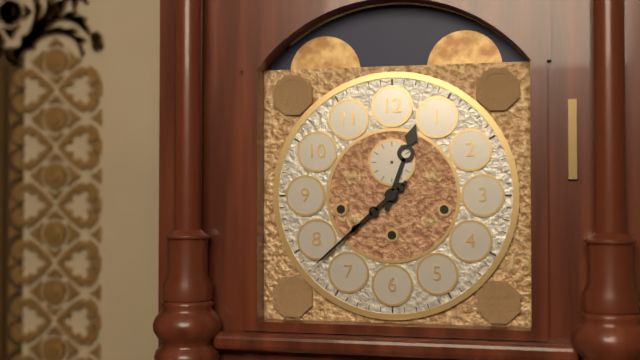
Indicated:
12 h 38 min
